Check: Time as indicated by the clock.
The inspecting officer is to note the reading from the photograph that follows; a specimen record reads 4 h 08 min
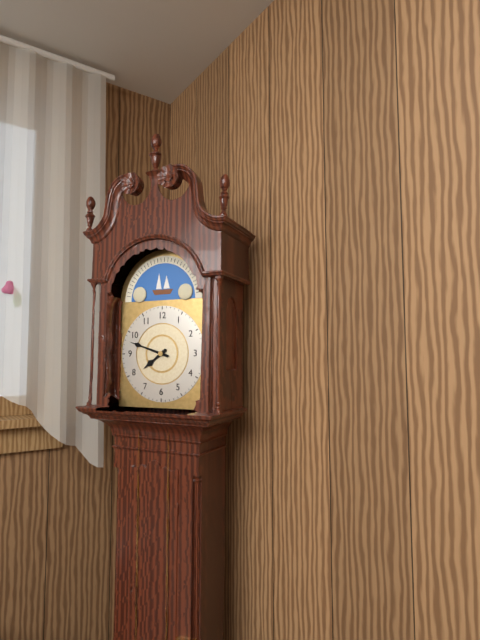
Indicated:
7 h 48 min
